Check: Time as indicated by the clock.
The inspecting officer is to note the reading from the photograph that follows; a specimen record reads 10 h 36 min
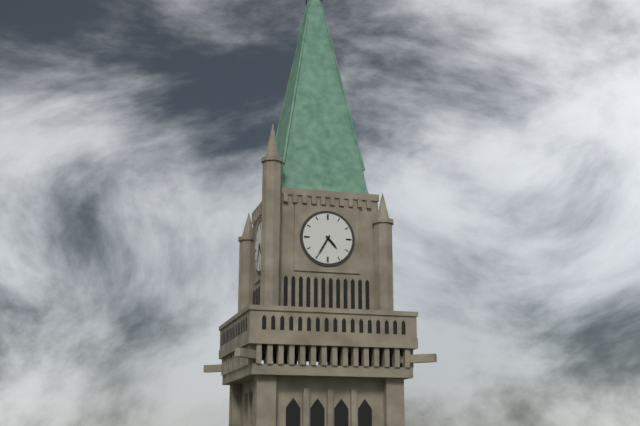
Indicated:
4 h 35 min
